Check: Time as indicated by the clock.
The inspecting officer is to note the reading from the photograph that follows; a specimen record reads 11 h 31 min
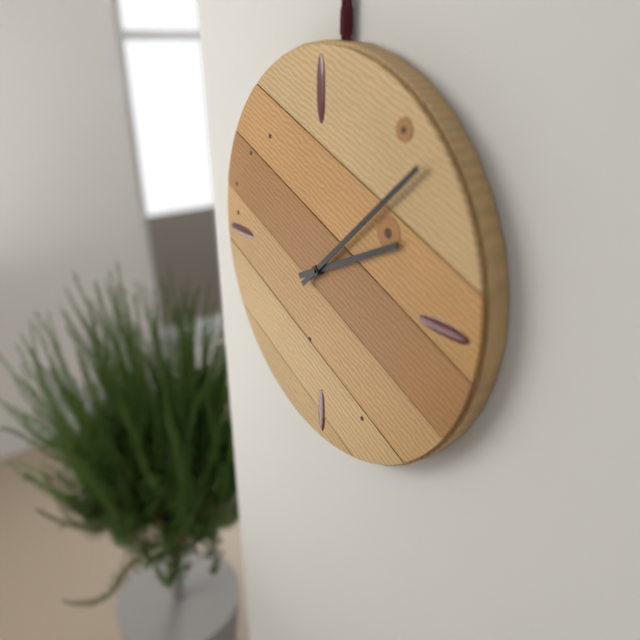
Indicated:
2 h 08 min
